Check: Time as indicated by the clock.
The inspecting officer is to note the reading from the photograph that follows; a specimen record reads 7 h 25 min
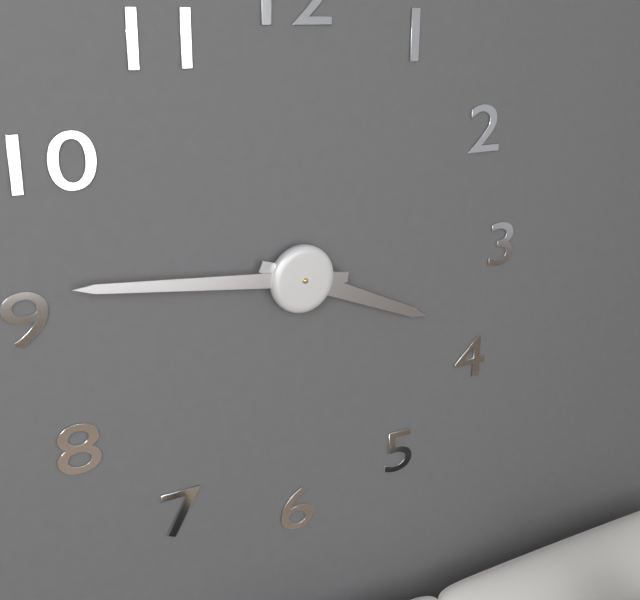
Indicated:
3 h 46 min
